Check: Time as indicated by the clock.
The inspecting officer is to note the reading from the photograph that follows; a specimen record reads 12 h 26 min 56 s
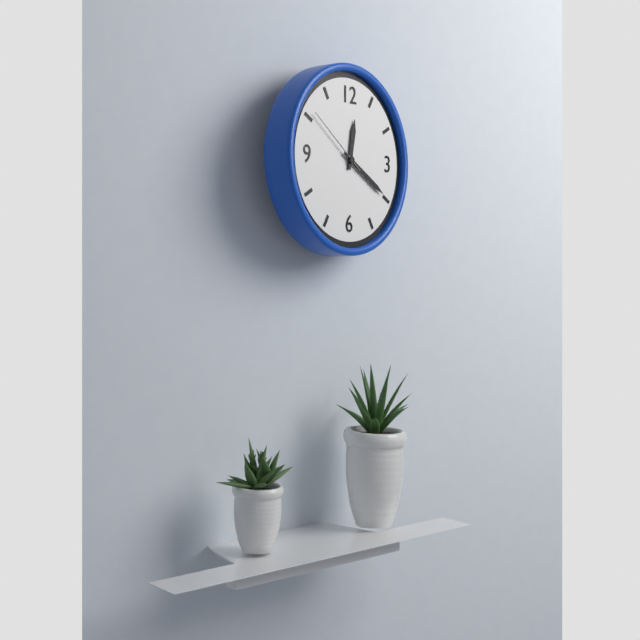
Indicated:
12 h 20 min 51 s
